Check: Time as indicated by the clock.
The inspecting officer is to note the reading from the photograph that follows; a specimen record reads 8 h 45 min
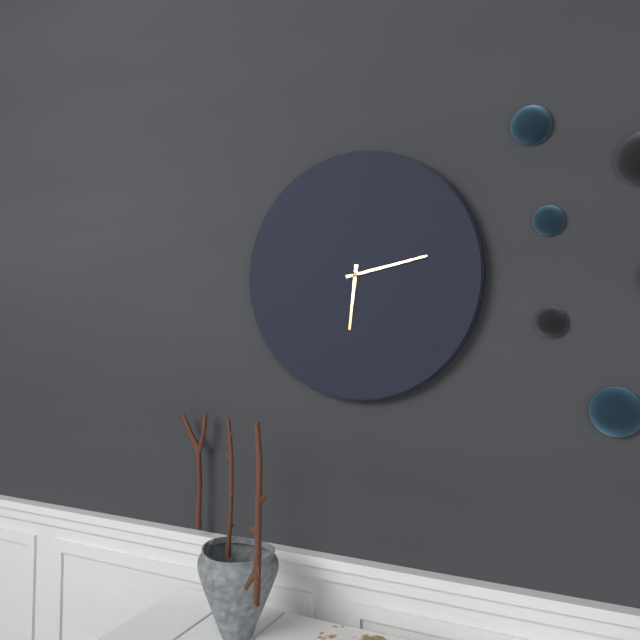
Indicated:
6 h 13 min
